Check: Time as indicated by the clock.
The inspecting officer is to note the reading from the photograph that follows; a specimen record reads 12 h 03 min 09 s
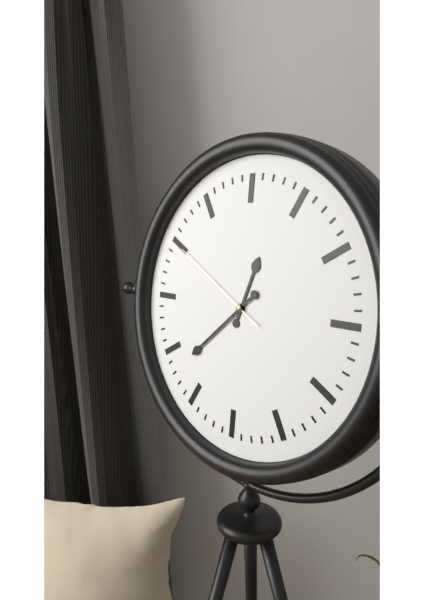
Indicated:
12 h 38 min 50 s
